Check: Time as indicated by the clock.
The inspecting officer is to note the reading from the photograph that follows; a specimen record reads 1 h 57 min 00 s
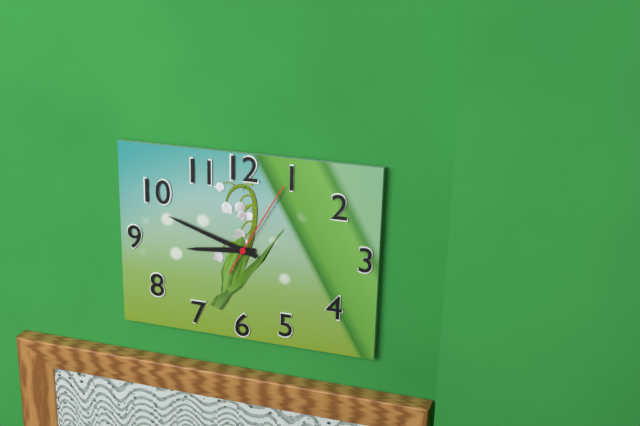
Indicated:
8 h 48 min 05 s
